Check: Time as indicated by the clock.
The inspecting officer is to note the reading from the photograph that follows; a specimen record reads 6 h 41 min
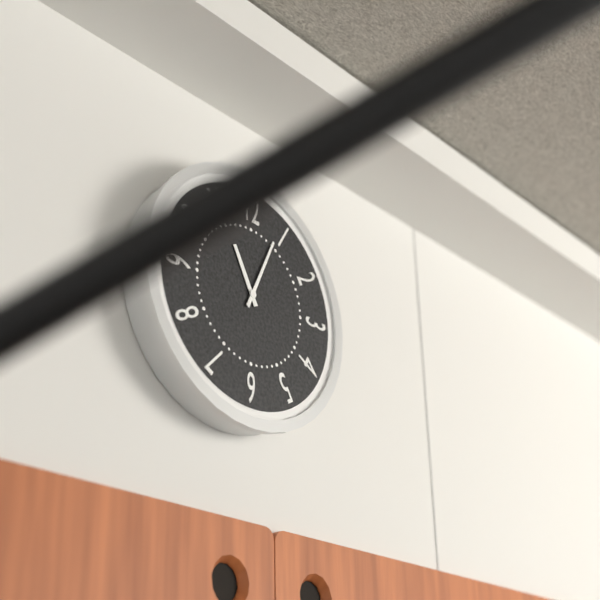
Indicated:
11 h 04 min
